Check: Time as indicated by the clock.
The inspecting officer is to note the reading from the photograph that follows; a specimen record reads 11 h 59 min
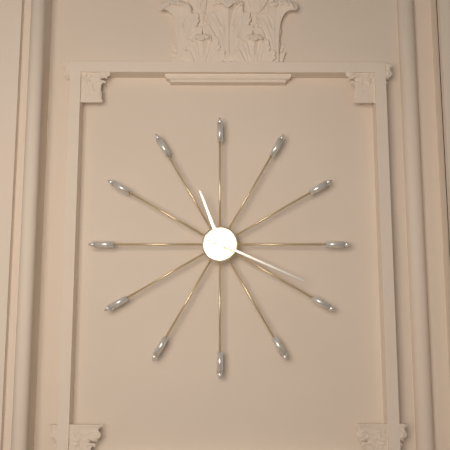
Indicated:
11 h 19 min
